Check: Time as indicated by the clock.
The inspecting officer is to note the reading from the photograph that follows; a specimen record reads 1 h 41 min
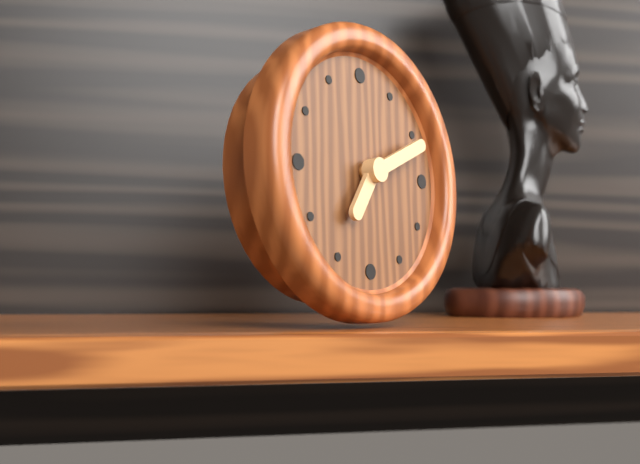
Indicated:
7 h 11 min
